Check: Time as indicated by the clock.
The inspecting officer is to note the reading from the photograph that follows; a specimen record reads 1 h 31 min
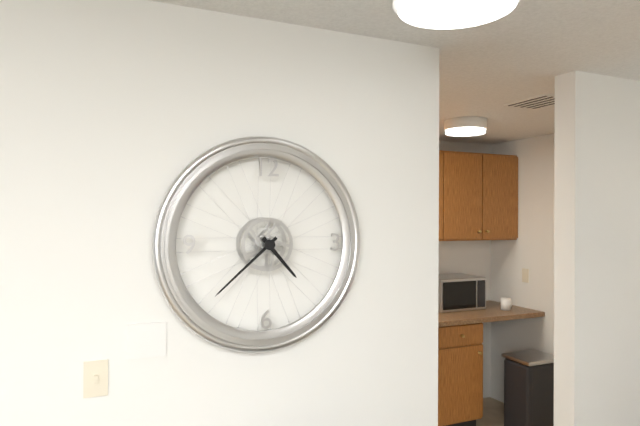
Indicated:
4 h 38 min
